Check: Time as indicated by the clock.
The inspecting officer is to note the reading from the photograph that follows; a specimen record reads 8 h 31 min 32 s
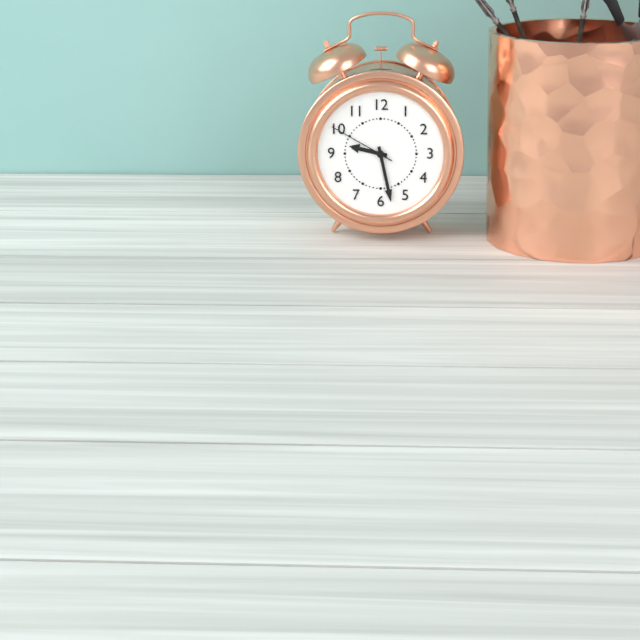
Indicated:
9 h 28 min 50 s
